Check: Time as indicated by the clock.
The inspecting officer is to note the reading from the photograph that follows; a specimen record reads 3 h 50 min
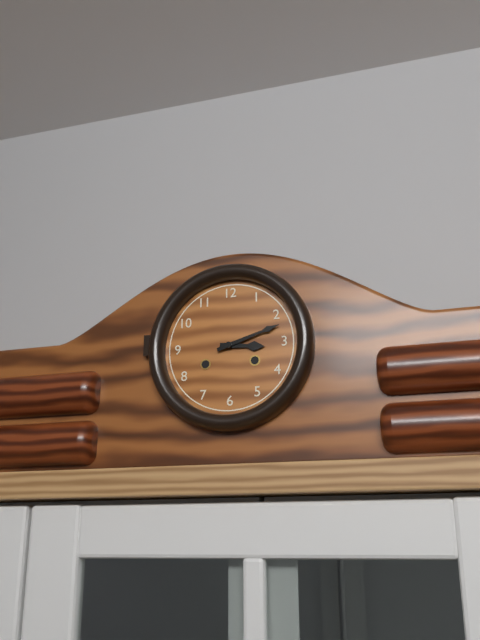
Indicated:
3 h 12 min
